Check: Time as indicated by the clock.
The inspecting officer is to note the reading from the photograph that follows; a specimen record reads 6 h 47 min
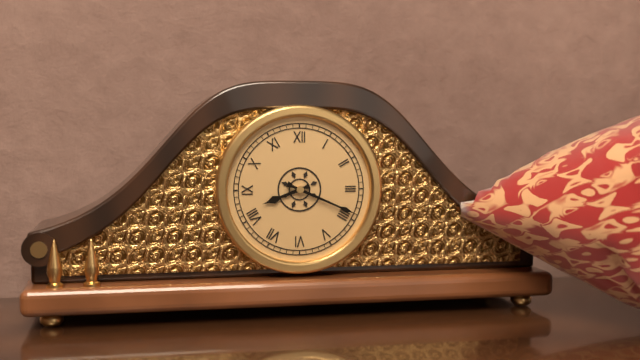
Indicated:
8 h 19 min
